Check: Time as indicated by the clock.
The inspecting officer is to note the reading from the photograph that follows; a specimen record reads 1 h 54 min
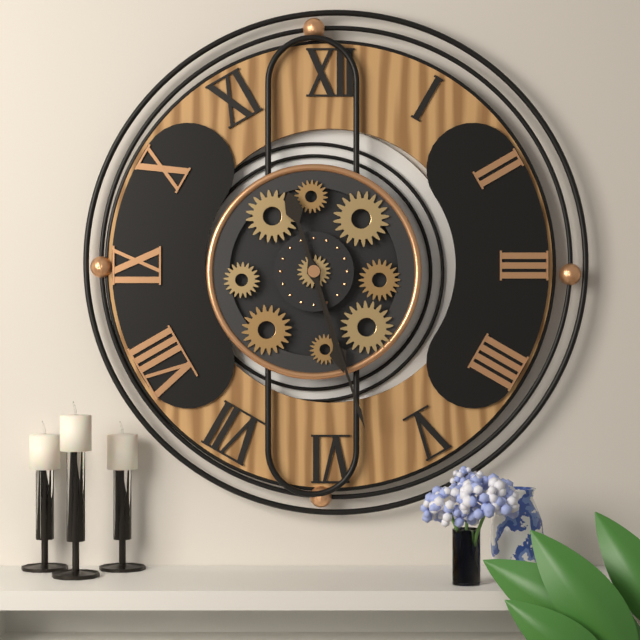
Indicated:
5 h 27 min
